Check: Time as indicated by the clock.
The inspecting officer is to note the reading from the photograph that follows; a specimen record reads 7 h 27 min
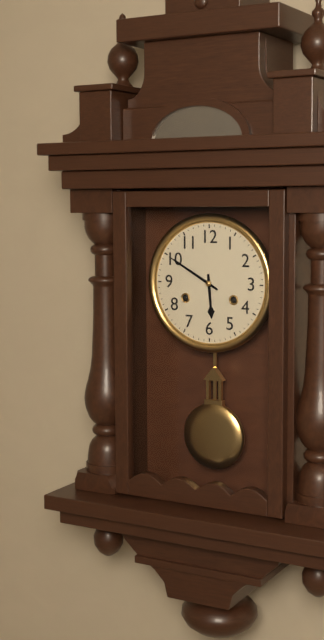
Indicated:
5 h 50 min
